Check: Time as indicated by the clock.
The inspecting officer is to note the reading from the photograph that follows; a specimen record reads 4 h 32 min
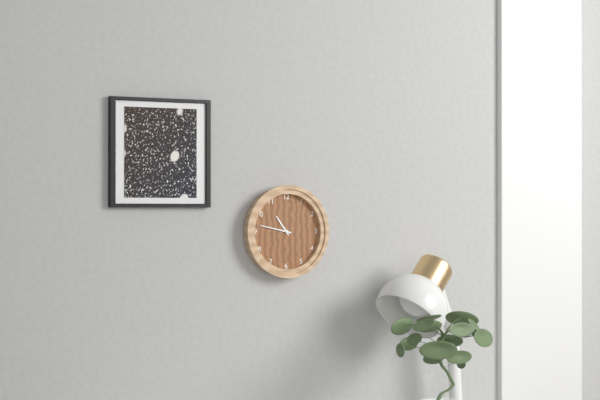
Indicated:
10 h 47 min
